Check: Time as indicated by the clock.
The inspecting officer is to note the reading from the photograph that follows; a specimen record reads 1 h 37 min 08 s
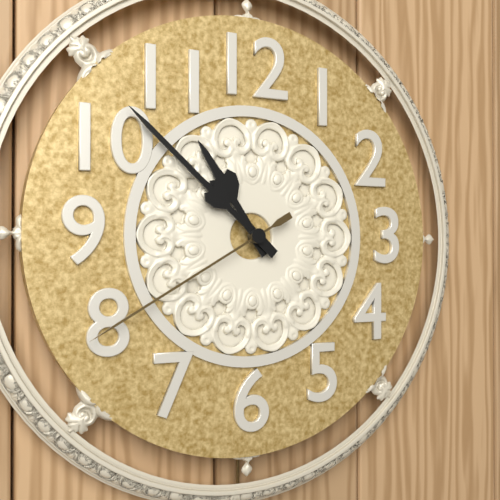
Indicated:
10 h 52 min 40 s
